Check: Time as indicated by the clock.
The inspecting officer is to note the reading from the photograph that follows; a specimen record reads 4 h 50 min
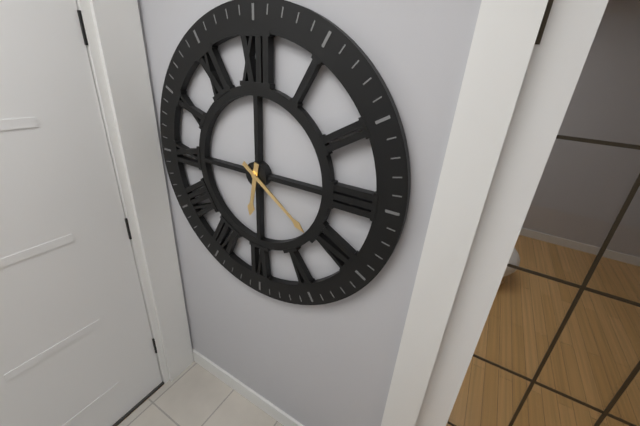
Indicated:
6 h 21 min
